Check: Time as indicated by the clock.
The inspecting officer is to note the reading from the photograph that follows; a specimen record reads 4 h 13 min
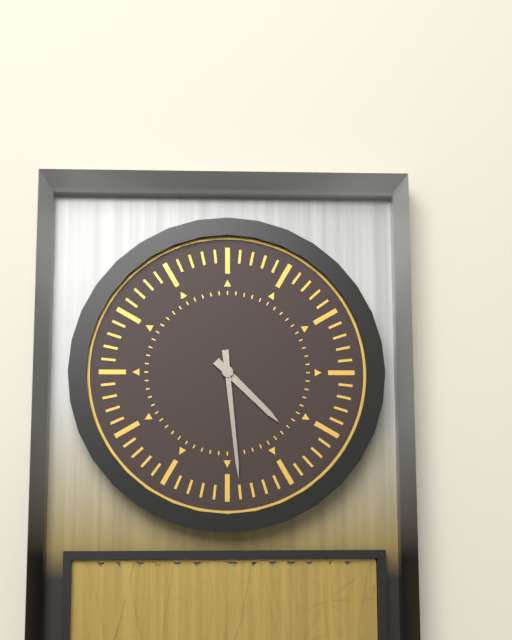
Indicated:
4 h 29 min
